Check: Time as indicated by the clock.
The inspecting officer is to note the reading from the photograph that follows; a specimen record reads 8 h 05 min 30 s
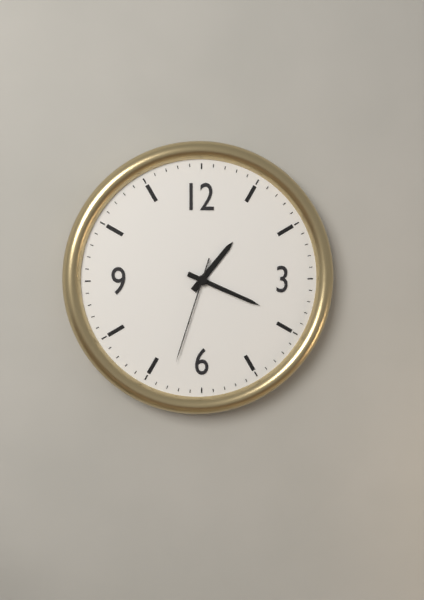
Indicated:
1 h 19 min 33 s
